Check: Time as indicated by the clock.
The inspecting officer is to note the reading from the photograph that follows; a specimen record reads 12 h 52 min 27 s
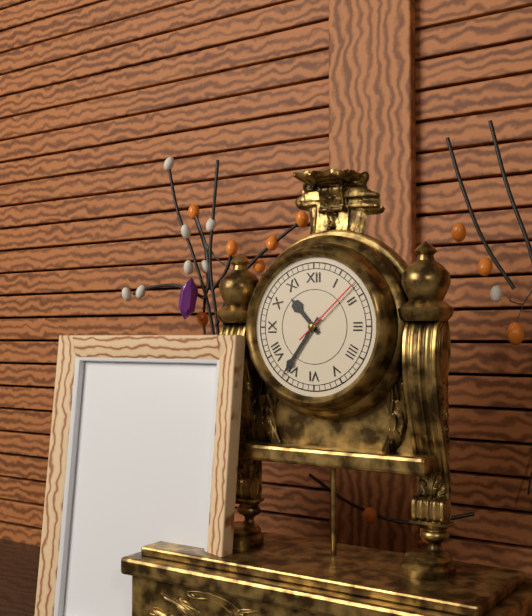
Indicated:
10 h 36 min 08 s
